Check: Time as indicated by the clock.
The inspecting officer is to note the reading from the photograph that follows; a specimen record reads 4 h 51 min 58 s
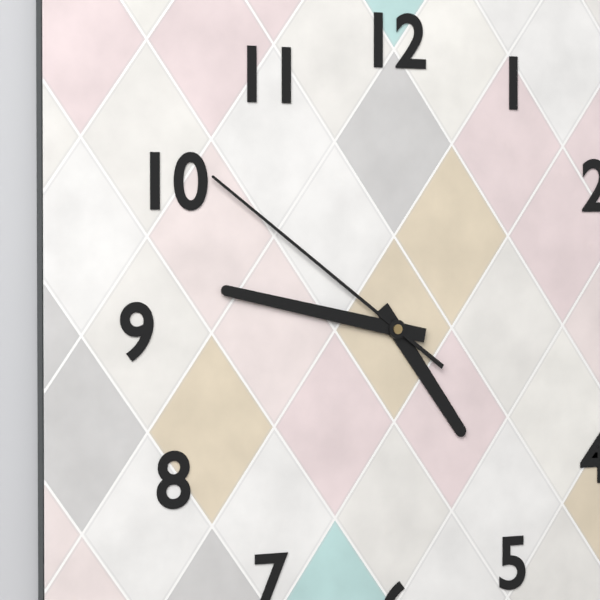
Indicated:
4 h 47 min 51 s
